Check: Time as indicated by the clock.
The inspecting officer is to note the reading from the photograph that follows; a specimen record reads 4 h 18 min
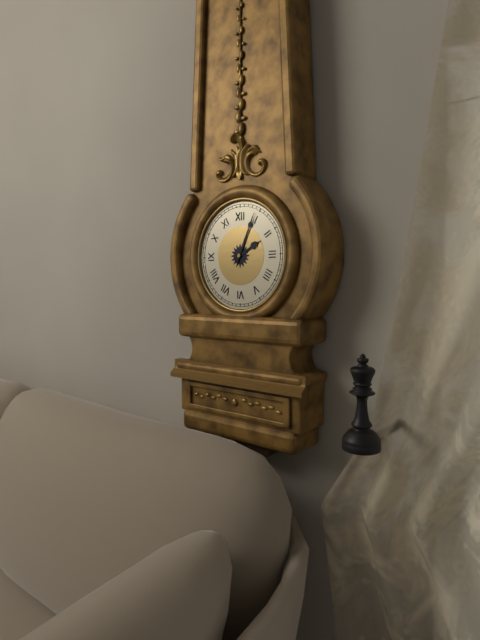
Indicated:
2 h 04 min
